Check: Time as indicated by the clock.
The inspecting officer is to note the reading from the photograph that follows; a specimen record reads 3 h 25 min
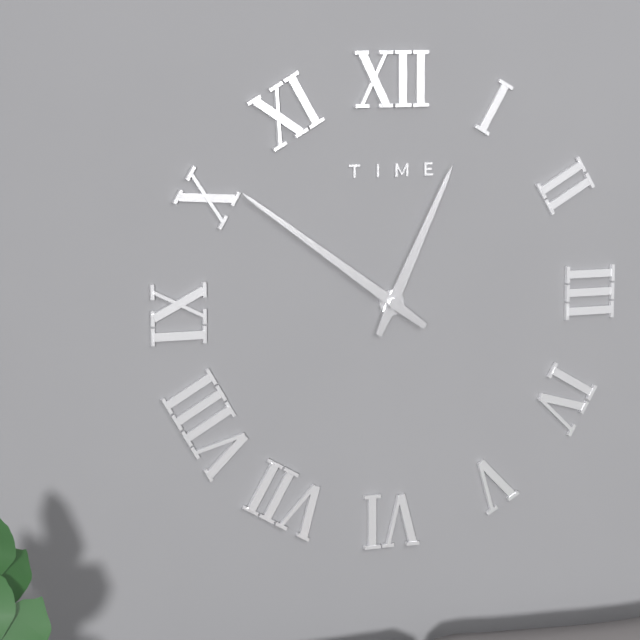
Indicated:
12 h 51 min
